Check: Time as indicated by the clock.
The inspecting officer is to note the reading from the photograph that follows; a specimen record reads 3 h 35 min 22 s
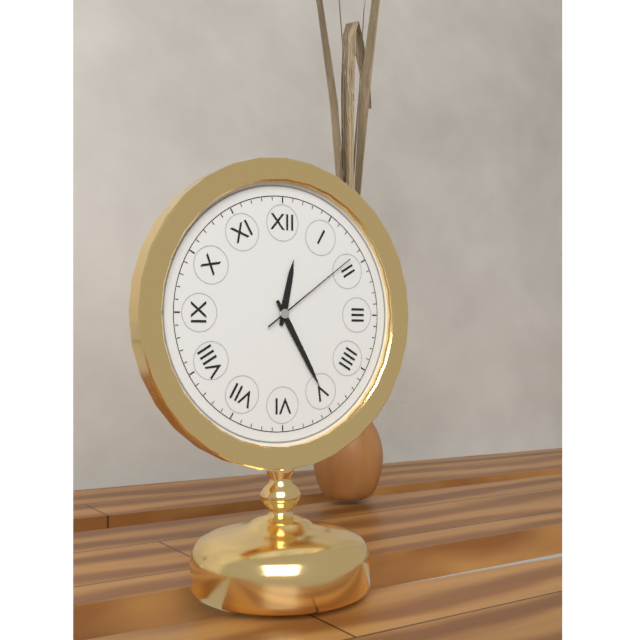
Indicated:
12 h 25 min 09 s
